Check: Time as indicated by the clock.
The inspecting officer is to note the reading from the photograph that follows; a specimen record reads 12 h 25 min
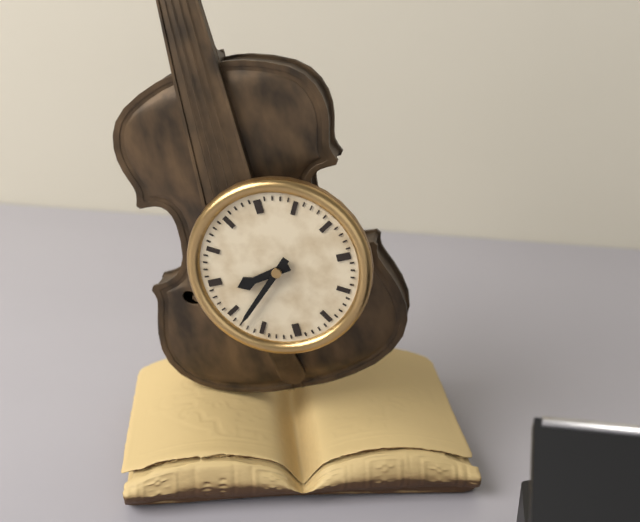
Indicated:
8 h 38 min
